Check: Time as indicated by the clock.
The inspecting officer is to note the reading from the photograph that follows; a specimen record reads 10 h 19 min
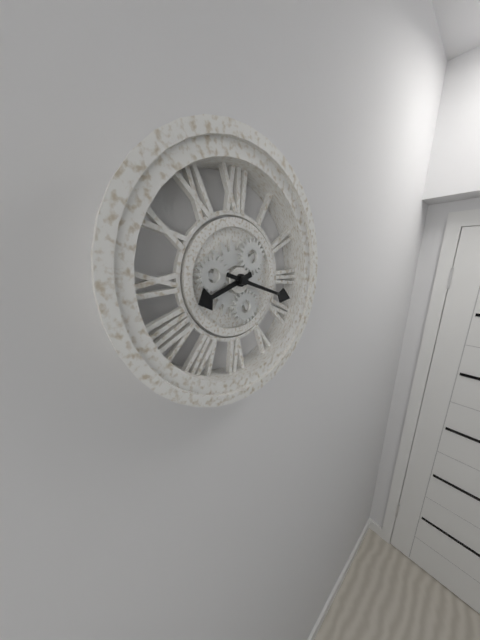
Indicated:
8 h 18 min
